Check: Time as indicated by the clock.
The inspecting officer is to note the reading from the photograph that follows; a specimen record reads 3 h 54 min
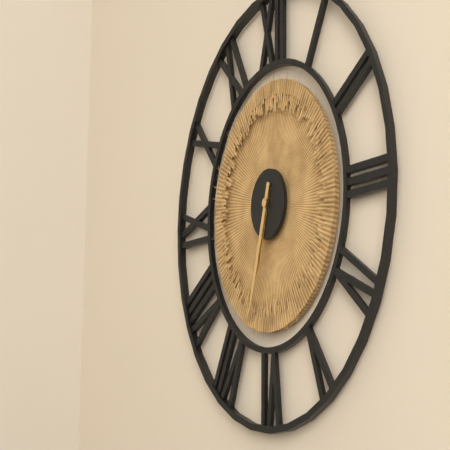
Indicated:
6 h 33 min
